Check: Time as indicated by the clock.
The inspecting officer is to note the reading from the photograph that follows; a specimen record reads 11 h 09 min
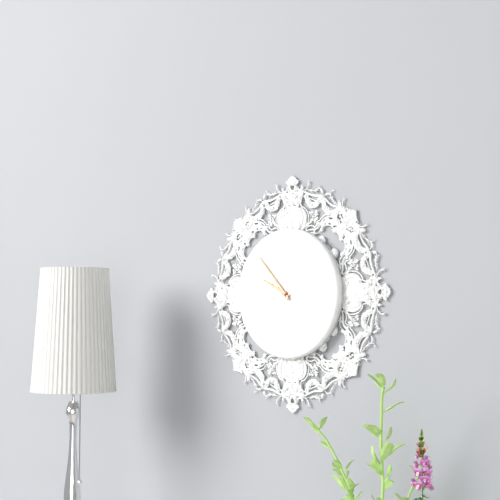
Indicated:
9 h 53 min
